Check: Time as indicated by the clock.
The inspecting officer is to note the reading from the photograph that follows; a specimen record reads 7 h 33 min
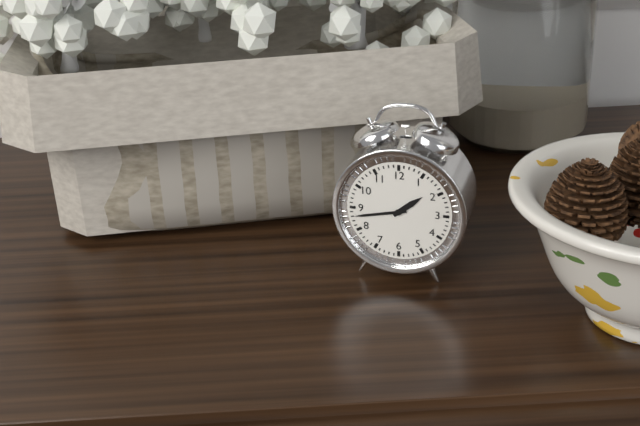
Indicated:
1 h 43 min
